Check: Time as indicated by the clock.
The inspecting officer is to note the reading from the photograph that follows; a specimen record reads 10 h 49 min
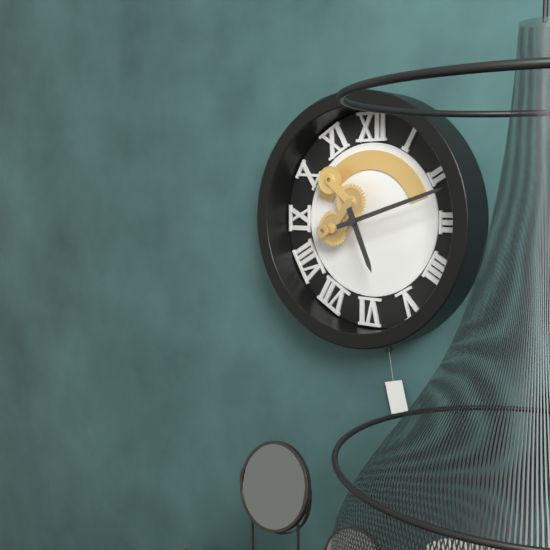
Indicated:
5 h 12 min
